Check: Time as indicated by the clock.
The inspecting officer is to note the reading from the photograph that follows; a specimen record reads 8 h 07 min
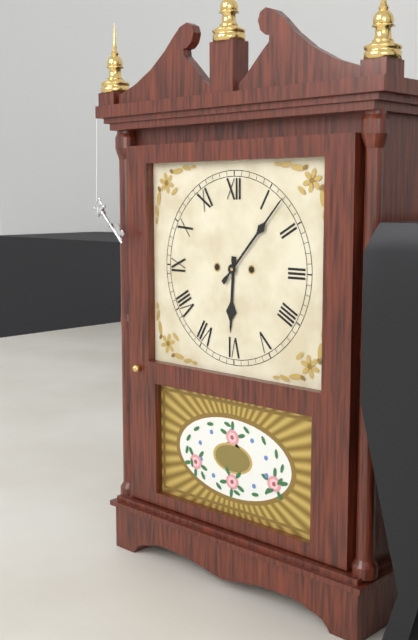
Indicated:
6 h 07 min
